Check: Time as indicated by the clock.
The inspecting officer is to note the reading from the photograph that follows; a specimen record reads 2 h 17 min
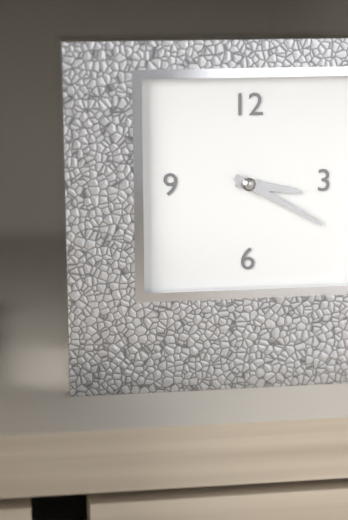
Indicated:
3 h 20 min
